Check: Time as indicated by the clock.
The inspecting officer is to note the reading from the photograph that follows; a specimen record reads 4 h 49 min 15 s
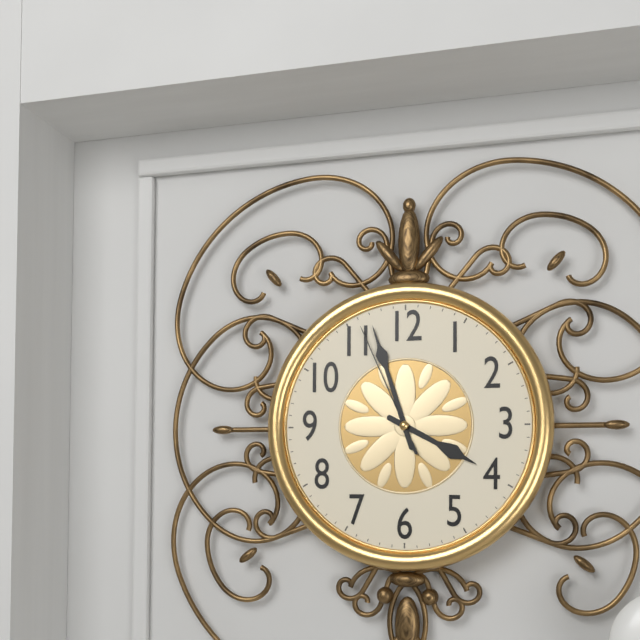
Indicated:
3 h 57 min 56 s
